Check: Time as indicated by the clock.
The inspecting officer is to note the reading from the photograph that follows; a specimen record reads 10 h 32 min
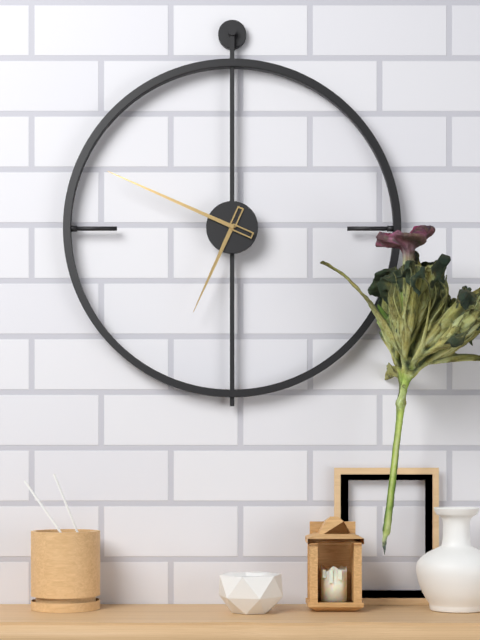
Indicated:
6 h 49 min
